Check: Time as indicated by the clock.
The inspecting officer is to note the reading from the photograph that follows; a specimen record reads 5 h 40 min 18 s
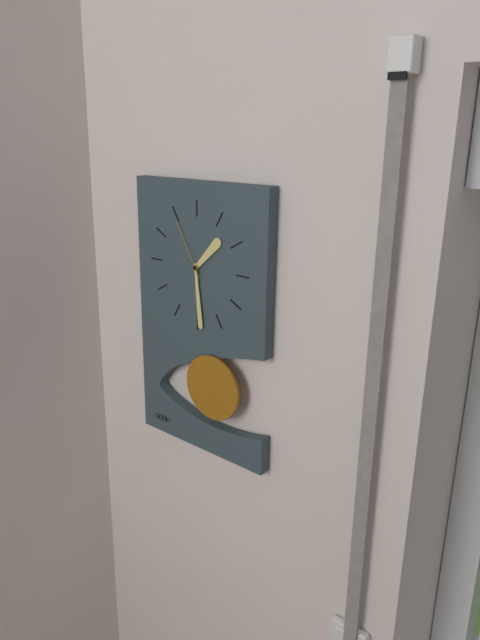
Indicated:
1 h 29 min 55 s
